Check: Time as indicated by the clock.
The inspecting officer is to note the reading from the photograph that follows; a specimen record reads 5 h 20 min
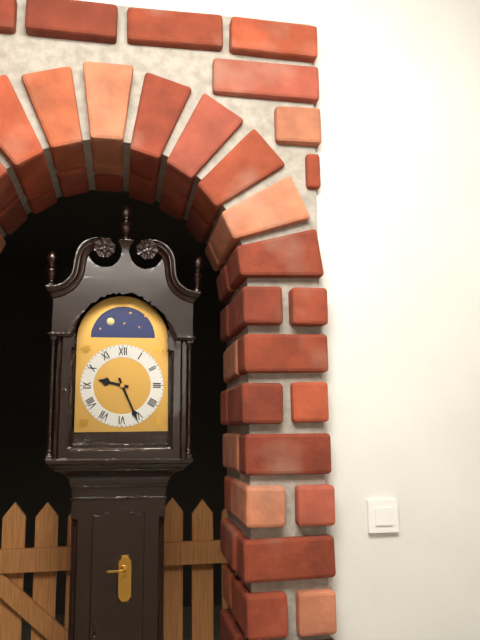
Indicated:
9 h 26 min
